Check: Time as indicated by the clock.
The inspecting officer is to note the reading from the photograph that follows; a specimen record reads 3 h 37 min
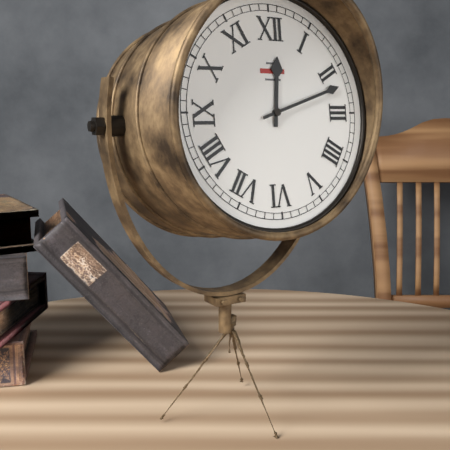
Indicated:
12 h 12 min
